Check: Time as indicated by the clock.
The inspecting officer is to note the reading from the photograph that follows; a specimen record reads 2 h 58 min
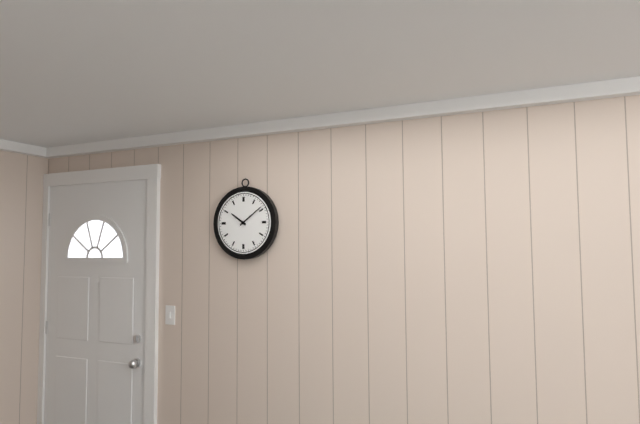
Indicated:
10 h 09 min
